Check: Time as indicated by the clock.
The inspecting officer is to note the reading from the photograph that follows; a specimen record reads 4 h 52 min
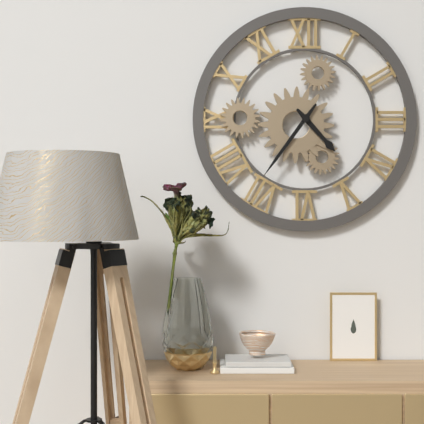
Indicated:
4 h 36 min
